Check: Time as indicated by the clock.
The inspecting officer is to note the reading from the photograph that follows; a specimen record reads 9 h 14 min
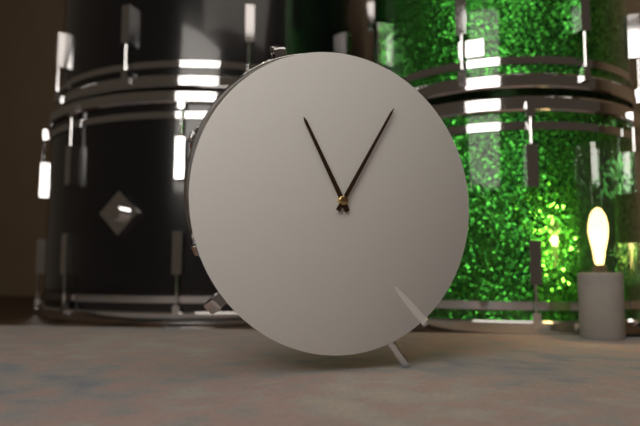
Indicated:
11 h 05 min
